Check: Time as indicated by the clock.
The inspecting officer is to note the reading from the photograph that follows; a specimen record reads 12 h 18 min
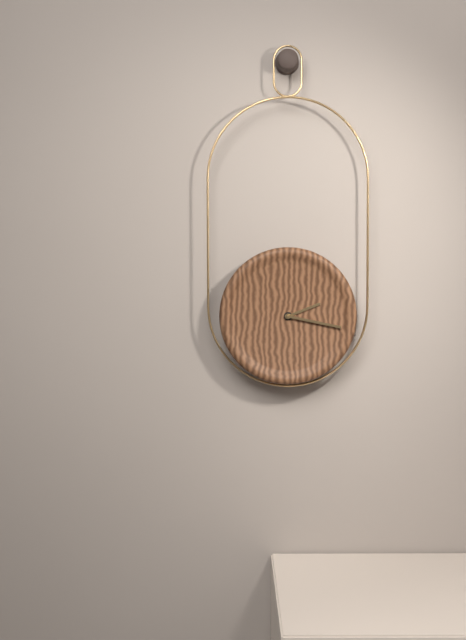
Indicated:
2 h 17 min
